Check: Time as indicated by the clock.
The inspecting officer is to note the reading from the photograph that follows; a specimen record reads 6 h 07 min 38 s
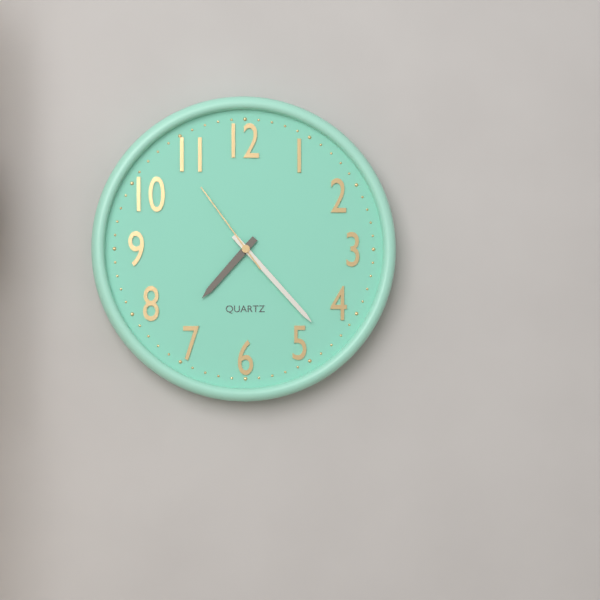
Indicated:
7 h 23 min 54 s
